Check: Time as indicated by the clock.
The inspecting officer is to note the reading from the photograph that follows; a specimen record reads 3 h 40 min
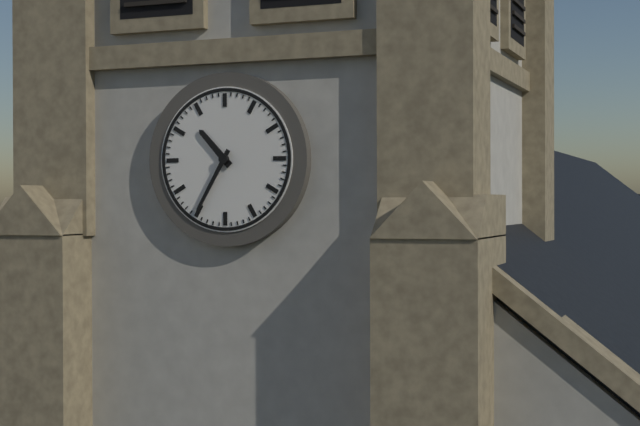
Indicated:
10 h 35 min
